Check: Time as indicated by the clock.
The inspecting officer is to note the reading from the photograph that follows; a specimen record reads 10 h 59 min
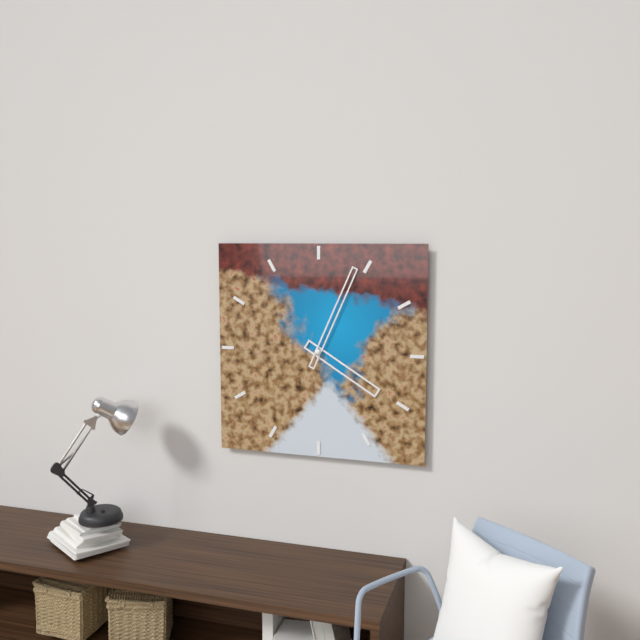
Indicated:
4 h 04 min
